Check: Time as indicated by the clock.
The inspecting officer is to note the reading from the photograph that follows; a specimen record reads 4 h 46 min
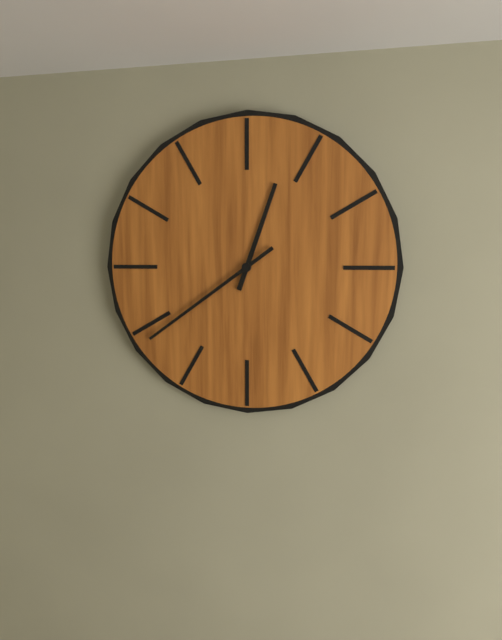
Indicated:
12 h 39 min
